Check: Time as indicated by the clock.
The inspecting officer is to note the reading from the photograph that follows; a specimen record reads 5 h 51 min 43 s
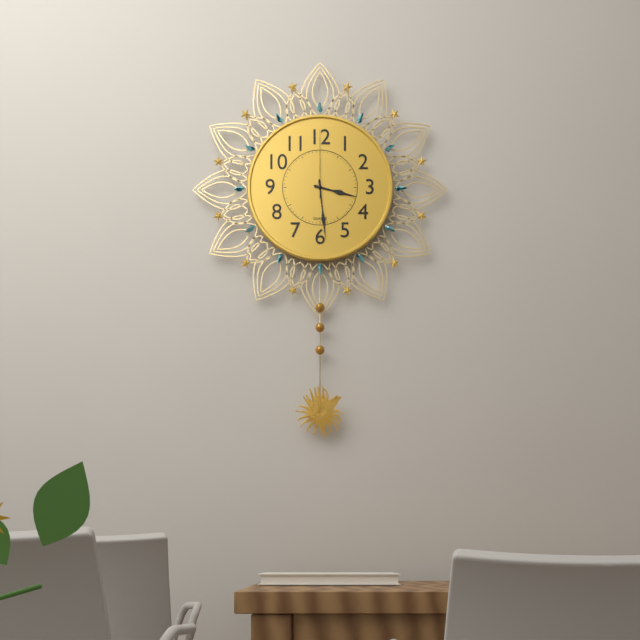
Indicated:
3 h 29 min 00 s
